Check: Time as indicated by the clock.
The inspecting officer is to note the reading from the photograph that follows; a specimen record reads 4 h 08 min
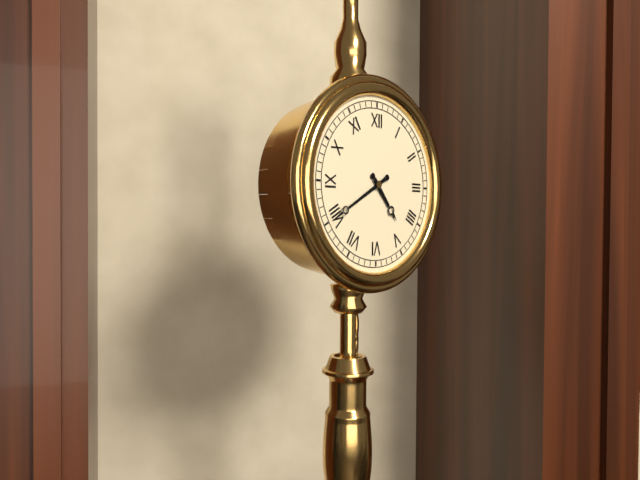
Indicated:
4 h 40 min
